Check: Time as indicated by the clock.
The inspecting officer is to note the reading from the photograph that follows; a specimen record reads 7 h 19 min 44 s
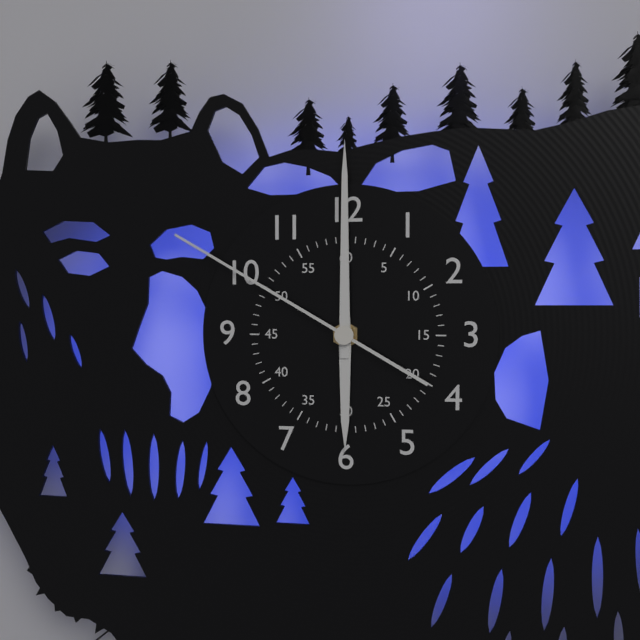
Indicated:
6 h 00 min 50 s
